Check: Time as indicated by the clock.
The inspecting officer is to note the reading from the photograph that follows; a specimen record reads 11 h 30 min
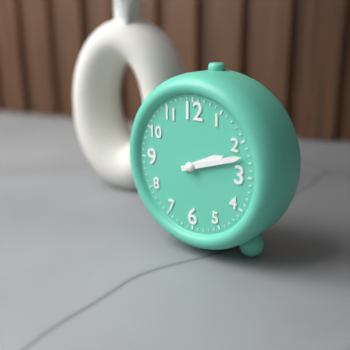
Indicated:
2 h 12 min
